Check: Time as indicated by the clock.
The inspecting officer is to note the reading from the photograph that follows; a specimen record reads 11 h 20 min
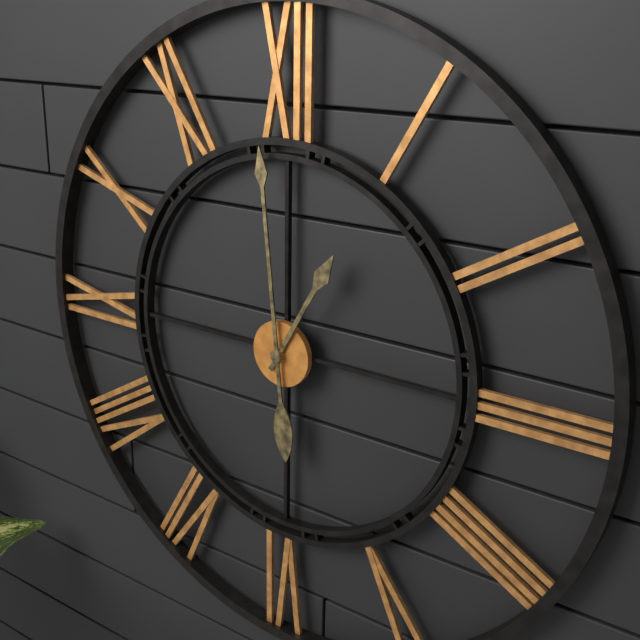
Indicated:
12 h 59 min
